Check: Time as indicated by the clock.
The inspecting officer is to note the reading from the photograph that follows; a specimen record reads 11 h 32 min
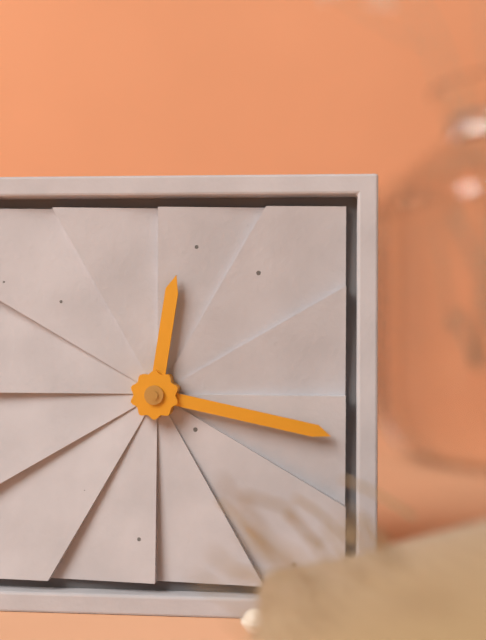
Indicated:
12 h 17 min
